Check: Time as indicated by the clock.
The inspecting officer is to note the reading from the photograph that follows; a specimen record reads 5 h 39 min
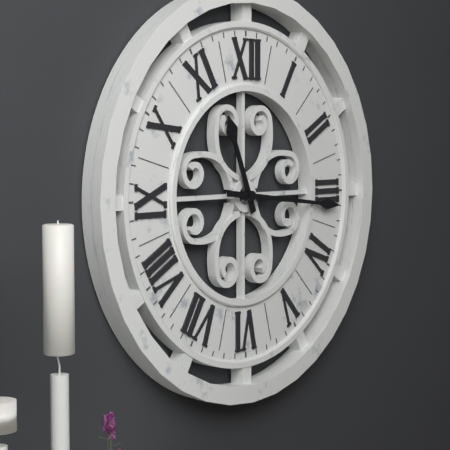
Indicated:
11 h 16 min
